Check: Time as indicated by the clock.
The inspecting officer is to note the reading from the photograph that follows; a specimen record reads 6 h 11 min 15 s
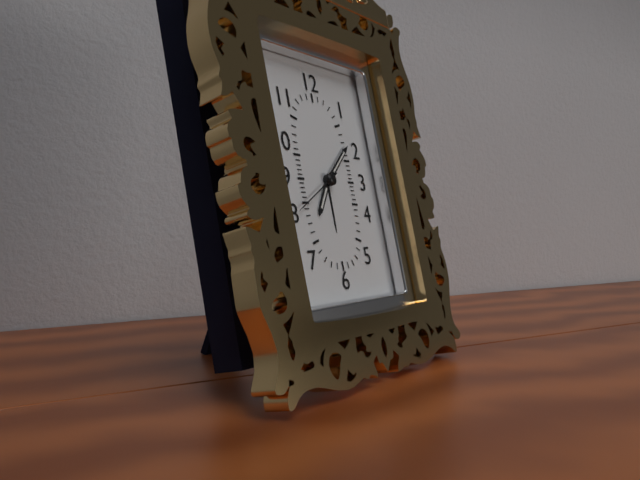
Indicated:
7 h 08 min 40 s
